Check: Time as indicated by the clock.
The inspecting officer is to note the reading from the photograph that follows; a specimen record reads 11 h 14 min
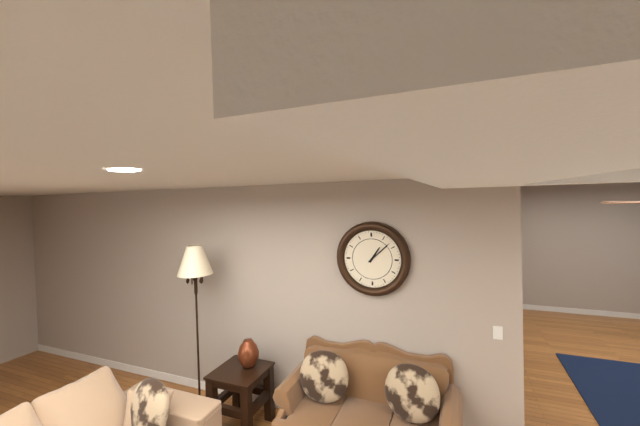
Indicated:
1 h 08 min
